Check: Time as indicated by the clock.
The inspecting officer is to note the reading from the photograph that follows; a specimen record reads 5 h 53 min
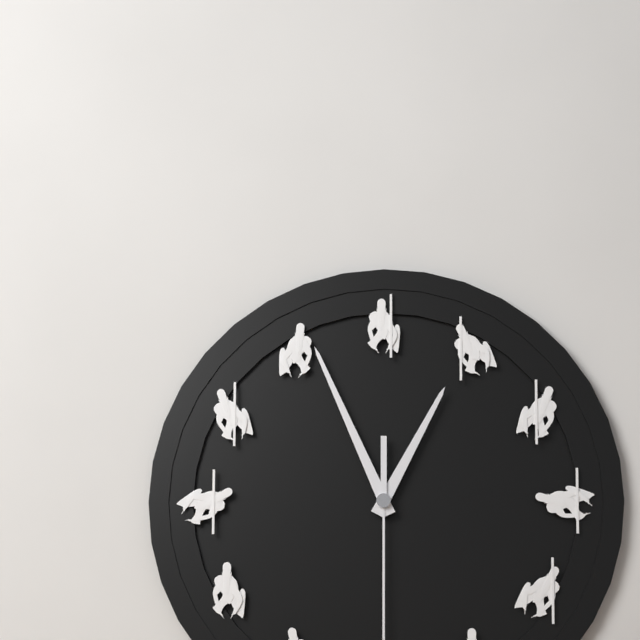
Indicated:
12 h 56 min
